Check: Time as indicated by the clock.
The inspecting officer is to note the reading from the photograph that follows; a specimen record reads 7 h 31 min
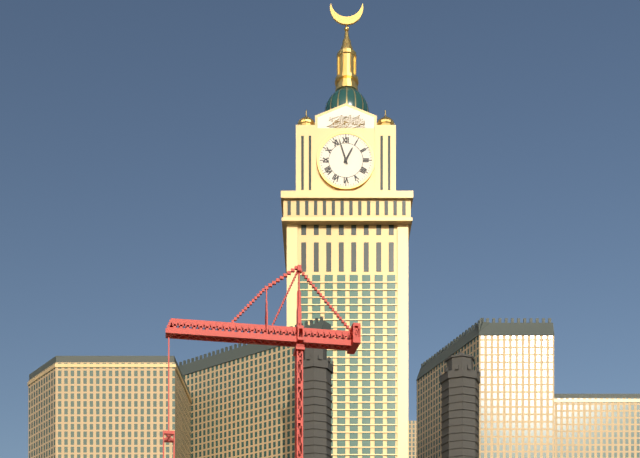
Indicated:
12 h 57 min
